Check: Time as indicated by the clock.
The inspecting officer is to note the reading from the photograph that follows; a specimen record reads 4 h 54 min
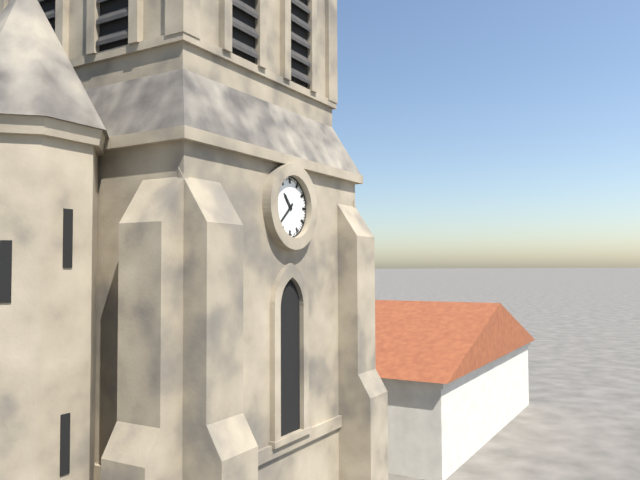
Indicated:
10 h 38 min
